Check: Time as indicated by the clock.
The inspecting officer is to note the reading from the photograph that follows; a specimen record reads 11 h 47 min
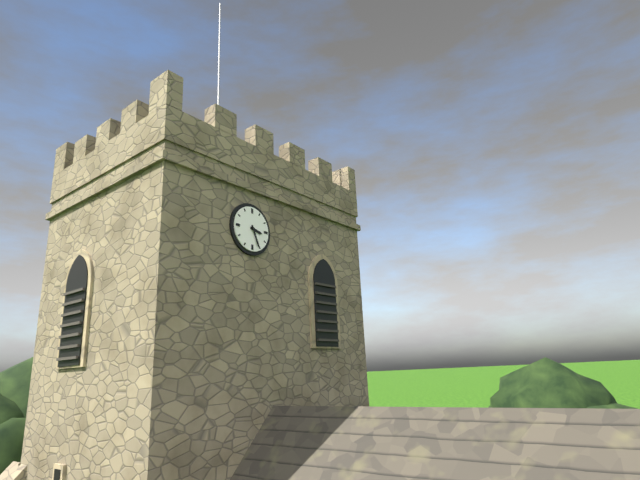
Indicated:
3 h 26 min
